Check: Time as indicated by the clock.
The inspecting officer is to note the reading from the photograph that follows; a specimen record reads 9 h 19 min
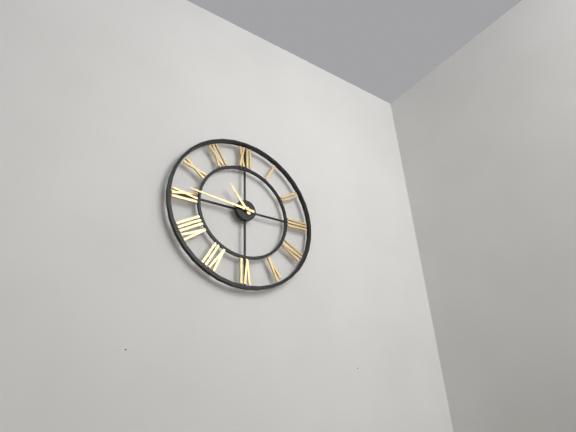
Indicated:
10 h 46 min
